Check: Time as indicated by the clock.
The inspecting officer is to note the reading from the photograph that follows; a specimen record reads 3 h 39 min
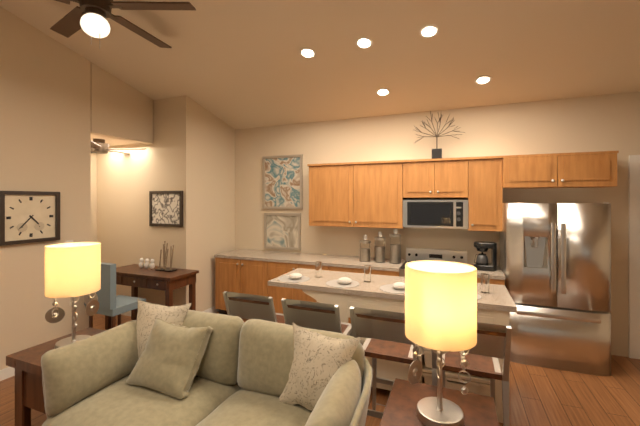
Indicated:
4 h 37 min
